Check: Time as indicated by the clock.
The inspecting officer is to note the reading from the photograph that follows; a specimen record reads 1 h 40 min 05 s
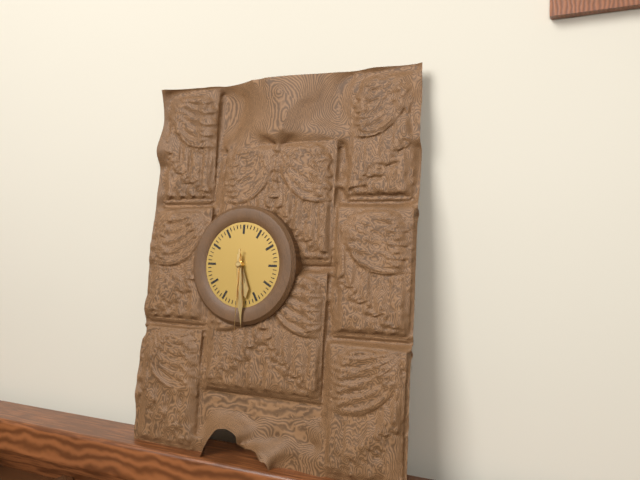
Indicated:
5 h 29 min 30 s
